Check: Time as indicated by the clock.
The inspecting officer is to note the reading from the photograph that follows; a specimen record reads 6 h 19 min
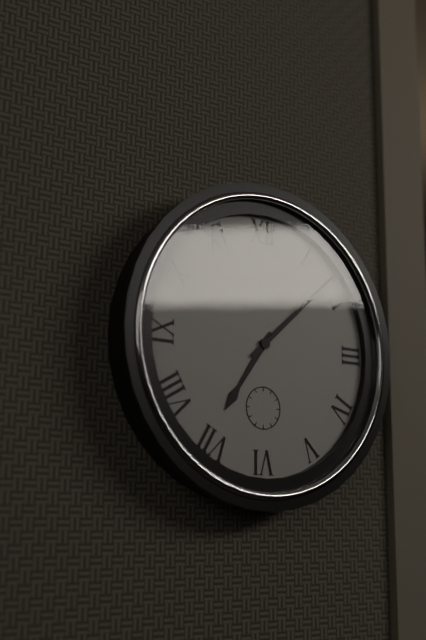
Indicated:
7 h 08 min
